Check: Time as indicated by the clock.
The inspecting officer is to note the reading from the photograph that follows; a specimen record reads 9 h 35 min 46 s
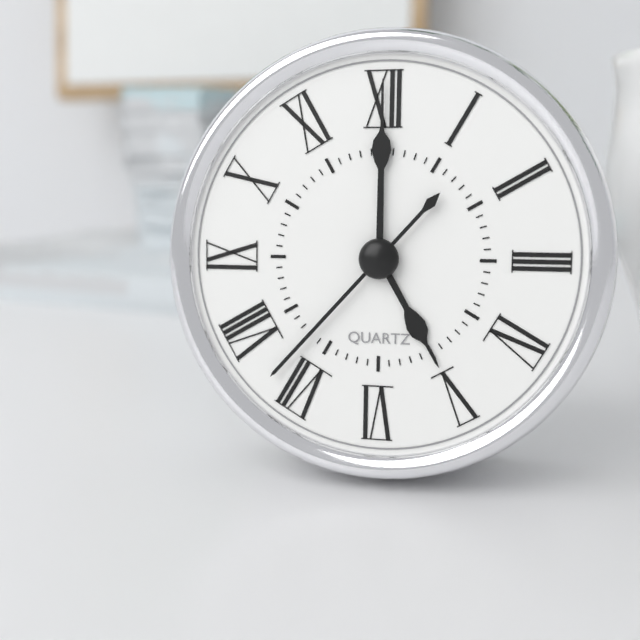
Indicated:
5 h 00 min 37 s
